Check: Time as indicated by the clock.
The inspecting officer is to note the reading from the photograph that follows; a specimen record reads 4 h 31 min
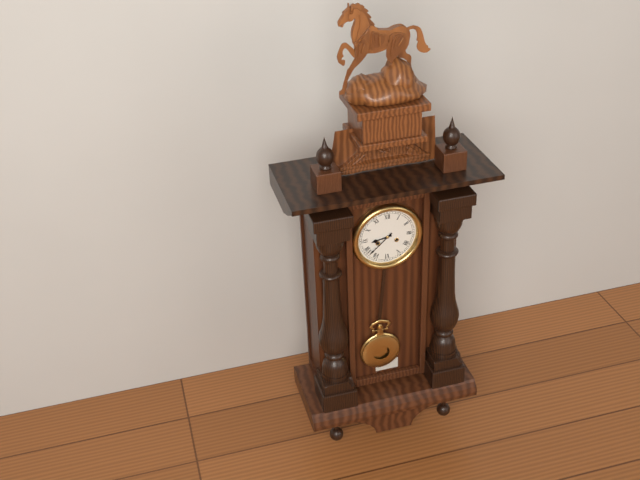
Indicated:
8 h 38 min
